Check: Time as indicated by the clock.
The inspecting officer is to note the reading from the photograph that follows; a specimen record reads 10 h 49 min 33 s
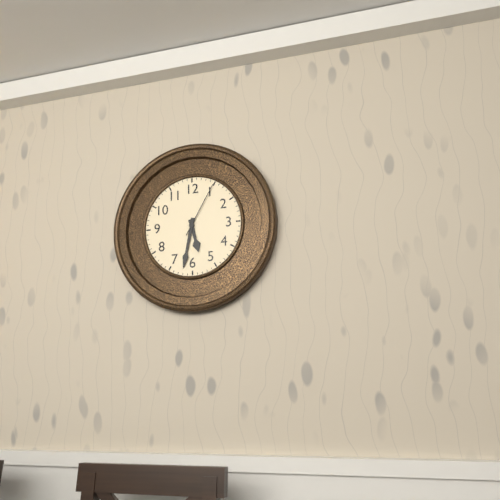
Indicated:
5 h 32 min 05 s
